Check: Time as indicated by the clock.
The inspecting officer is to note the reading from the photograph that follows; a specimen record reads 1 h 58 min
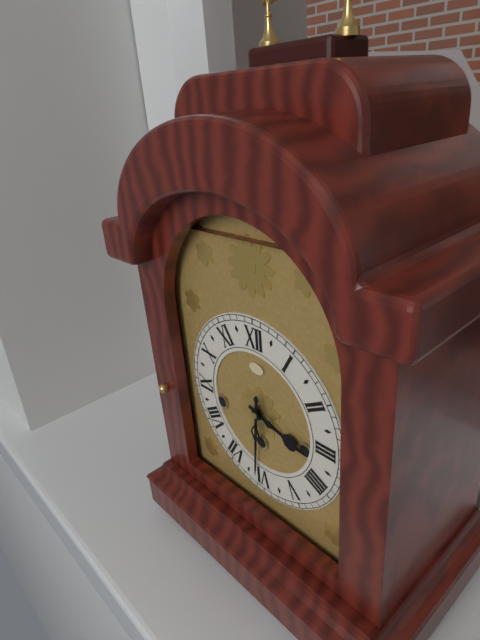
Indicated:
3 h 31 min
